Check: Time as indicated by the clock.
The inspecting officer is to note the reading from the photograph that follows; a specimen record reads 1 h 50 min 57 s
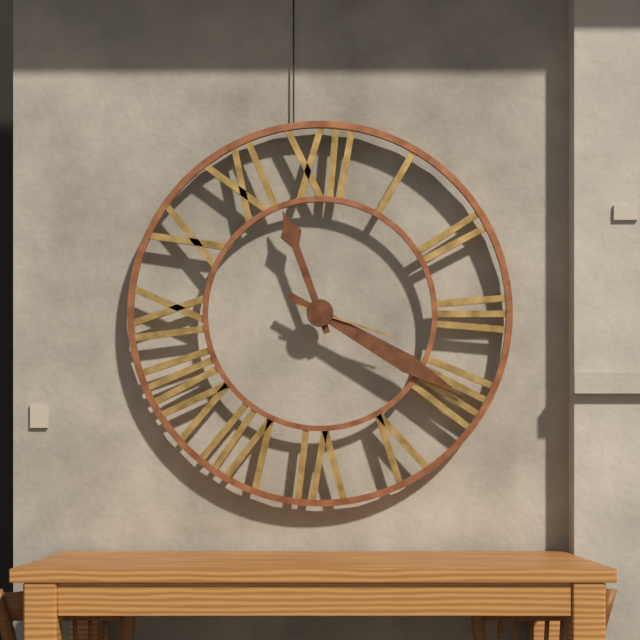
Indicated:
11 h 20 min 18 s
